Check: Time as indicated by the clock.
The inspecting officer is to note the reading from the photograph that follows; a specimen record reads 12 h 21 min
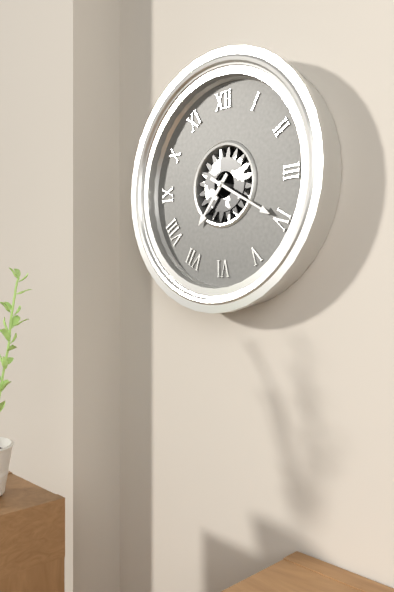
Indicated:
7 h 20 min
